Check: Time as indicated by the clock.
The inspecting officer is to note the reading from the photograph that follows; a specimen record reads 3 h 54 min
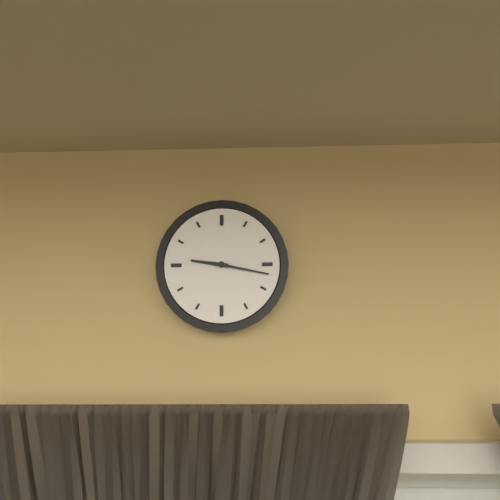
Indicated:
9 h 17 min
